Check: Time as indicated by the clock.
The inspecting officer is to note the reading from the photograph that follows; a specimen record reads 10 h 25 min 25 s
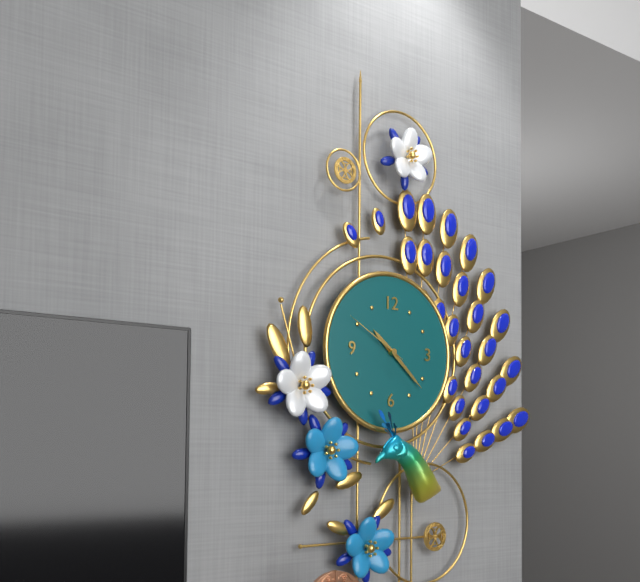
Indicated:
10 h 22 min 50 s
